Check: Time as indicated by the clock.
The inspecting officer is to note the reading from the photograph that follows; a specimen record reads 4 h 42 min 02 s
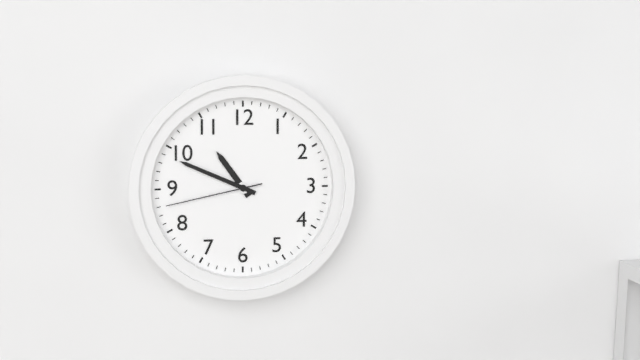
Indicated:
10 h 49 min 43 s
